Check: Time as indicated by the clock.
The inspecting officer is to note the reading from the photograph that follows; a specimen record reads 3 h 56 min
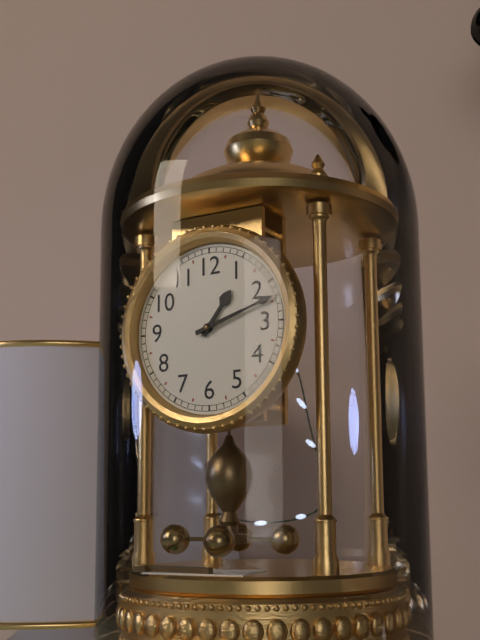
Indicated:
1 h 12 min
